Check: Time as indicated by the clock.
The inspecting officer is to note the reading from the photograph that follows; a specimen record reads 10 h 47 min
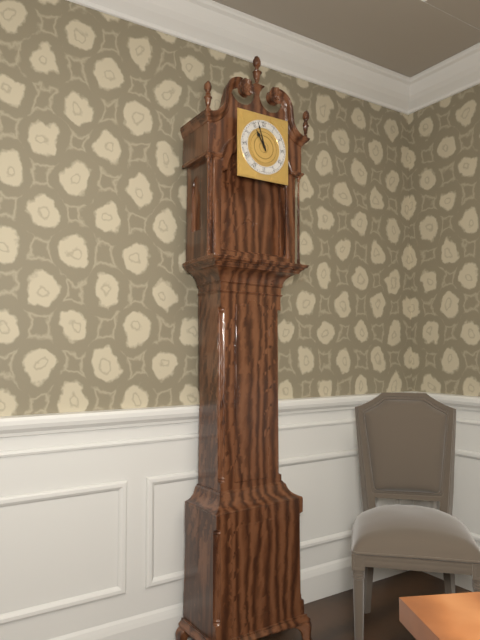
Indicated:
10 h 57 min
